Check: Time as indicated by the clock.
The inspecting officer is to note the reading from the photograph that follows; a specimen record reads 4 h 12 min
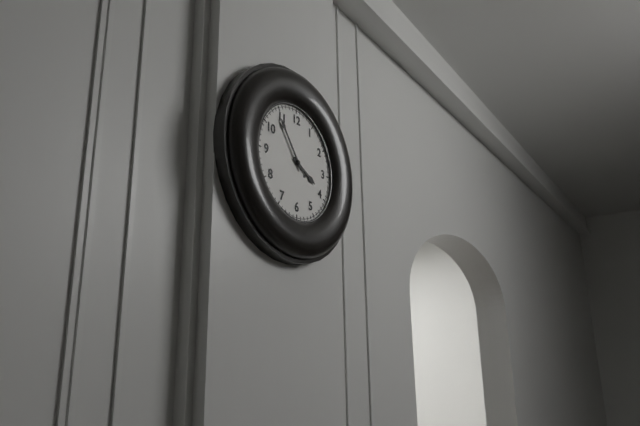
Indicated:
3 h 54 min
